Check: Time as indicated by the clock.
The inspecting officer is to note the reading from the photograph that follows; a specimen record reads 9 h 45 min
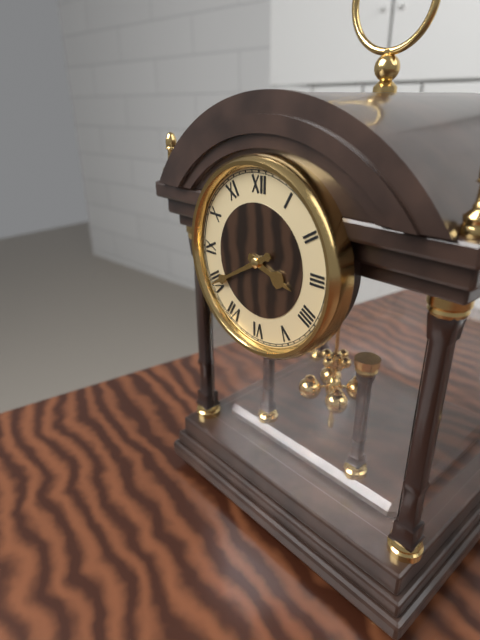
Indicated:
3 h 40 min
